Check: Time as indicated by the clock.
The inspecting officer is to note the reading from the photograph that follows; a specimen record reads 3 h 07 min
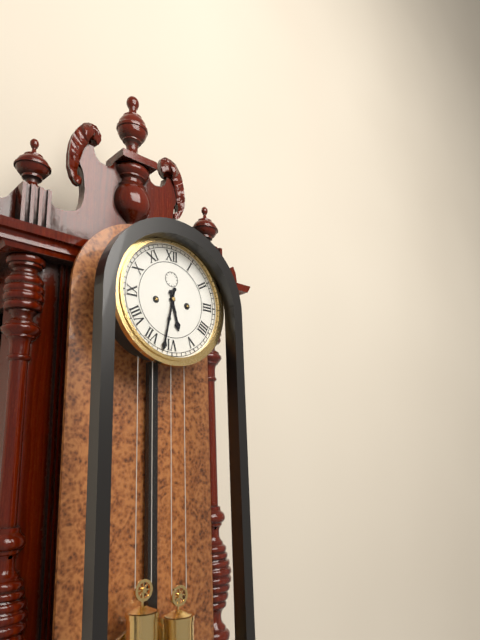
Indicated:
5 h 32 min
